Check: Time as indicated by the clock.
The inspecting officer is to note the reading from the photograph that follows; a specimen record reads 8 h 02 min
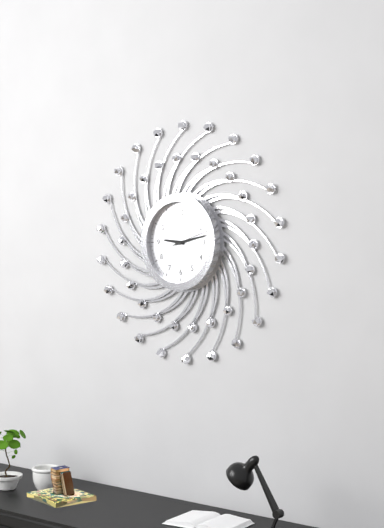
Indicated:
9 h 13 min
